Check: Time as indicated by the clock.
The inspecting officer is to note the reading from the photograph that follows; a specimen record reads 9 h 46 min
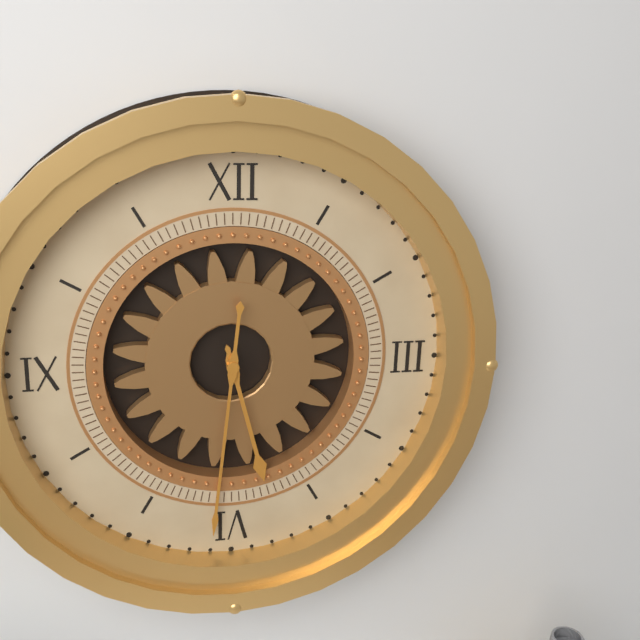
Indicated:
5 h 31 min
